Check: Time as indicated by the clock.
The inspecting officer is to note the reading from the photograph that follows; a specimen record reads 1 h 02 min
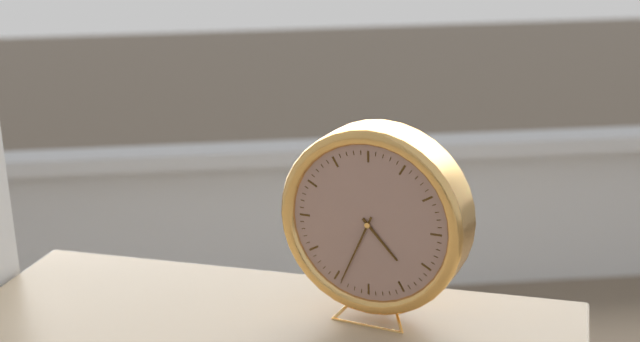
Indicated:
4 h 34 min
